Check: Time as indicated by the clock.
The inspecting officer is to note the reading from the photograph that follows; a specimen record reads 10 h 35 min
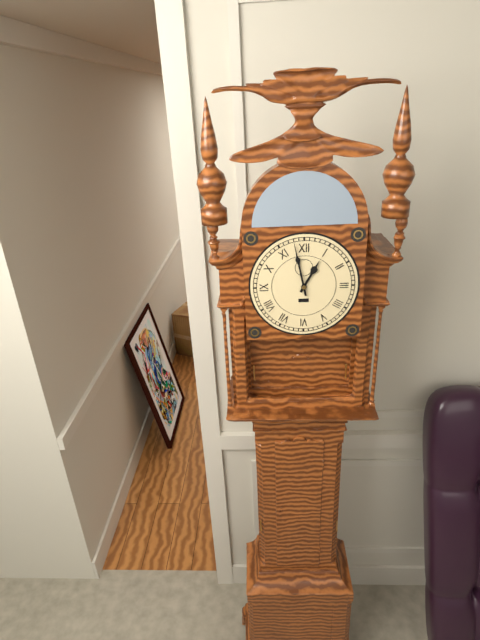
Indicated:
12 h 58 min
